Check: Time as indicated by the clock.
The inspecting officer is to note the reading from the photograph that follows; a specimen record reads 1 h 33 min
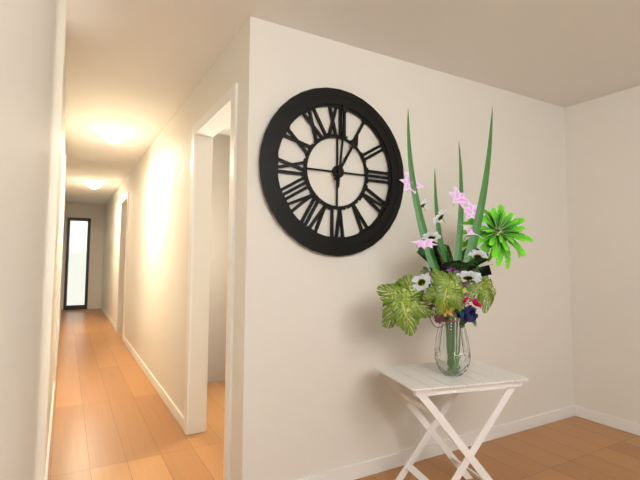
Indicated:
1 h 01 min
